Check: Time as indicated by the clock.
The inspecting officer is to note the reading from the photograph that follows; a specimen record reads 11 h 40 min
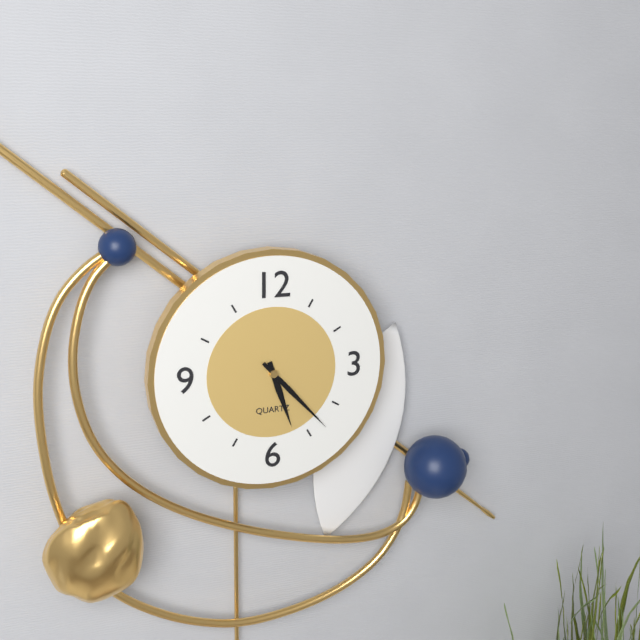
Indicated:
5 h 23 min
